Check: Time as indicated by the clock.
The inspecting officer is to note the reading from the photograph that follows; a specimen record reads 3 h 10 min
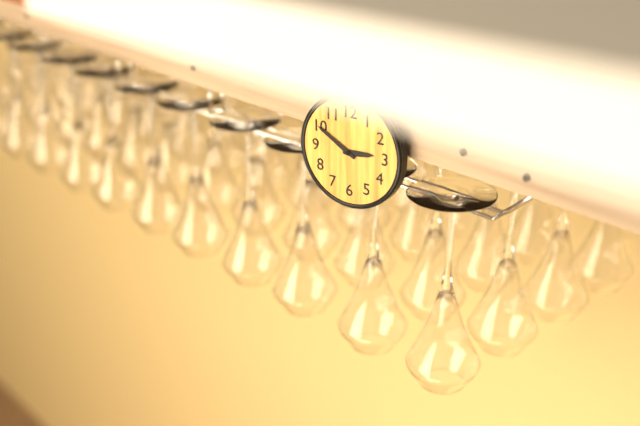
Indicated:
2 h 50 min
